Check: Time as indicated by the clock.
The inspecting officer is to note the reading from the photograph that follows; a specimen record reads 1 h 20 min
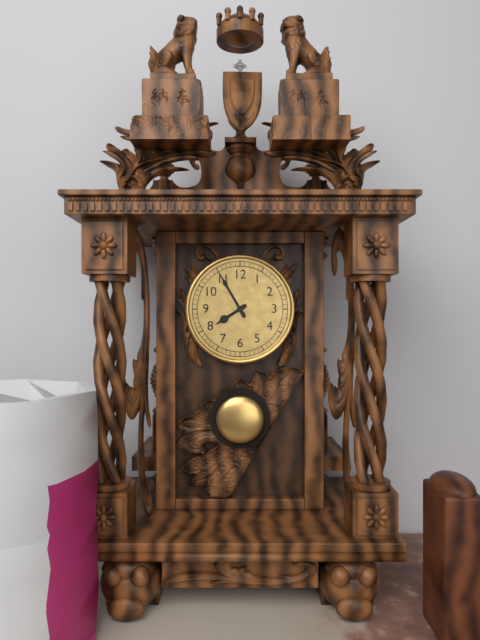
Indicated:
7 h 55 min
